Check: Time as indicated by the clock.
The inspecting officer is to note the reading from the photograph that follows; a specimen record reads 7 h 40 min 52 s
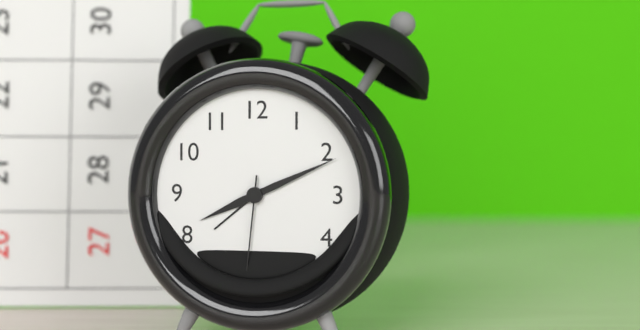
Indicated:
8 h 11 min 31 s
